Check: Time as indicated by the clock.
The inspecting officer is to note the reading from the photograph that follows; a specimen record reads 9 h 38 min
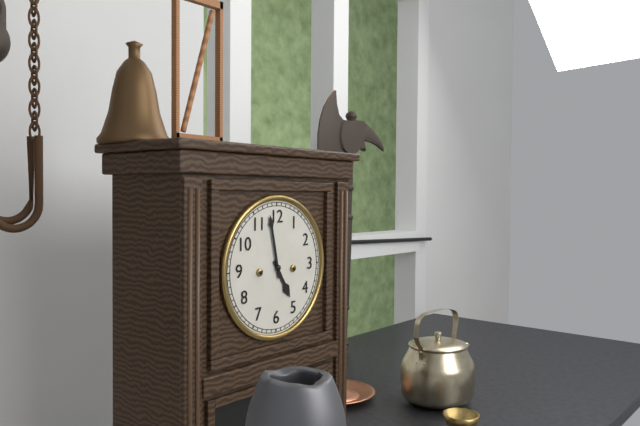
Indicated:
4 h 58 min
